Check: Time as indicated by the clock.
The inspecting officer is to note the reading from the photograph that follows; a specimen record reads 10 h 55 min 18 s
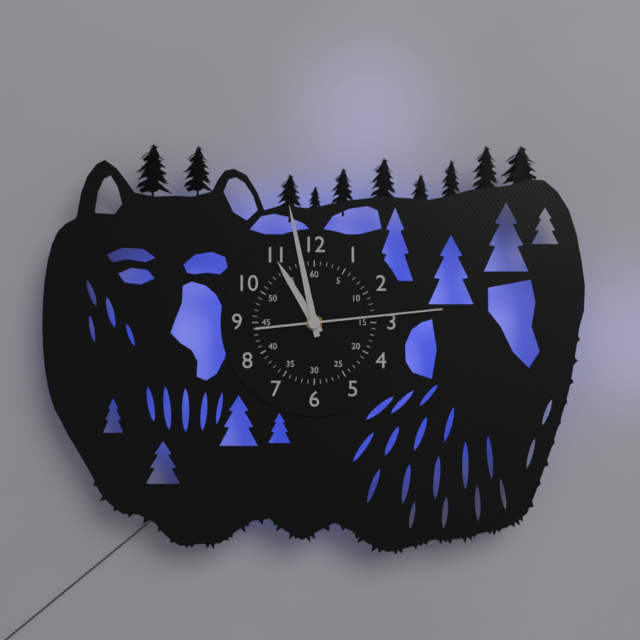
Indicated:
10 h 58 min 14 s
